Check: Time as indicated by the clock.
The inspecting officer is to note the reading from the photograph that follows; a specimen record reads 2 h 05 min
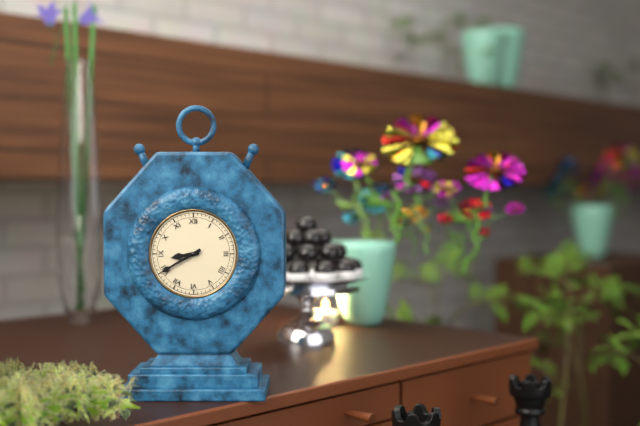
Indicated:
8 h 40 min
